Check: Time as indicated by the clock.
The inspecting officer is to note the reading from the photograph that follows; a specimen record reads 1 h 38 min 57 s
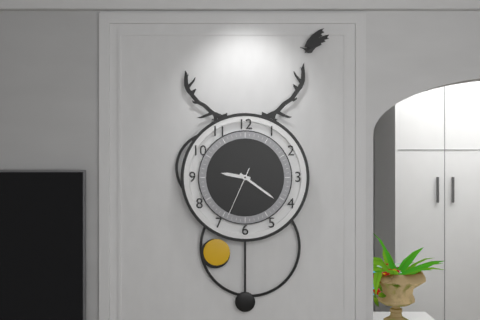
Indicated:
9 h 21 min 34 s
